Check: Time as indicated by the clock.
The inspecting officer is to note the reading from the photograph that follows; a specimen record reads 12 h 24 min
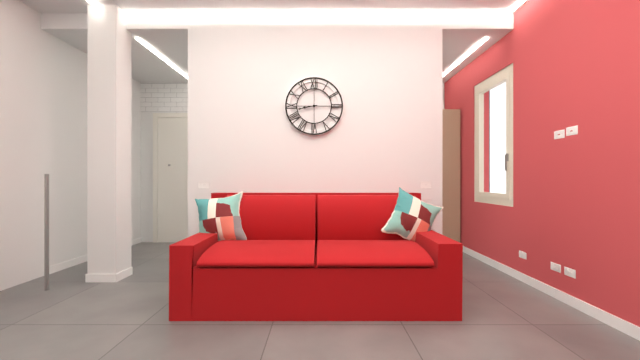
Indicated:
8 h 43 min
